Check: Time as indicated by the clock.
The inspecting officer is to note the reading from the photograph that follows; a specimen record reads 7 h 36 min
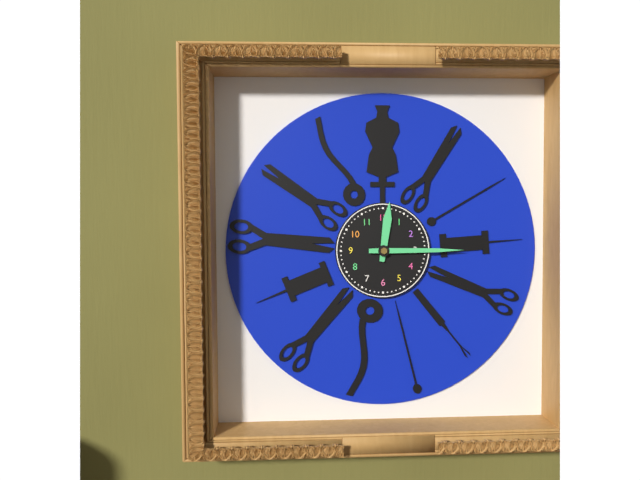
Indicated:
12 h 15 min
